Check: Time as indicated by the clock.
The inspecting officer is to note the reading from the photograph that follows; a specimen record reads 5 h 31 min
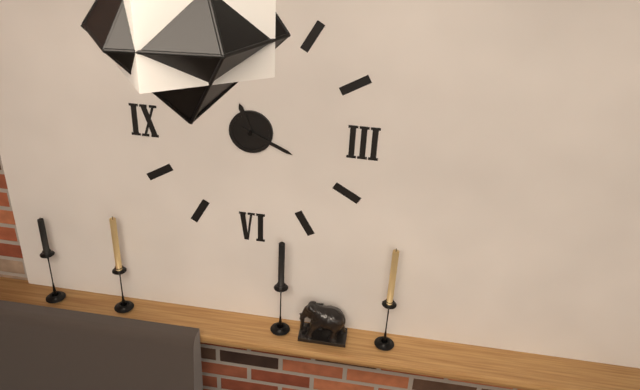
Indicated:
11 h 19 min
